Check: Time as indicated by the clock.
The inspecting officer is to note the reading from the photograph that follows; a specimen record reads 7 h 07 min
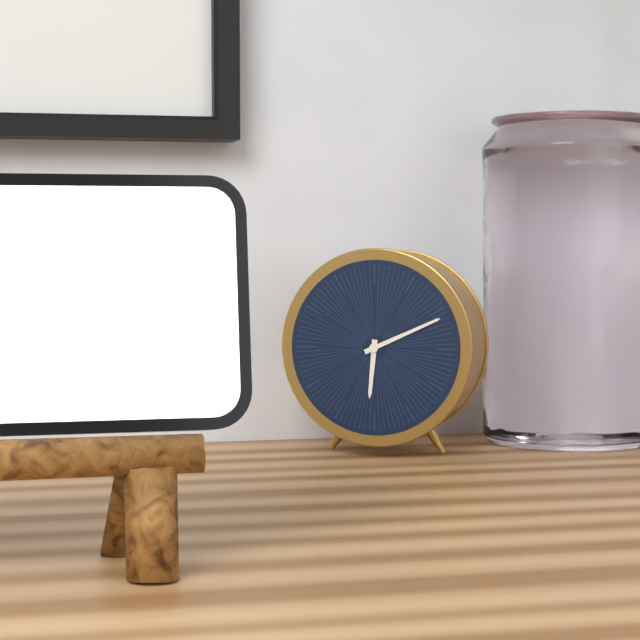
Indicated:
6 h 11 min
